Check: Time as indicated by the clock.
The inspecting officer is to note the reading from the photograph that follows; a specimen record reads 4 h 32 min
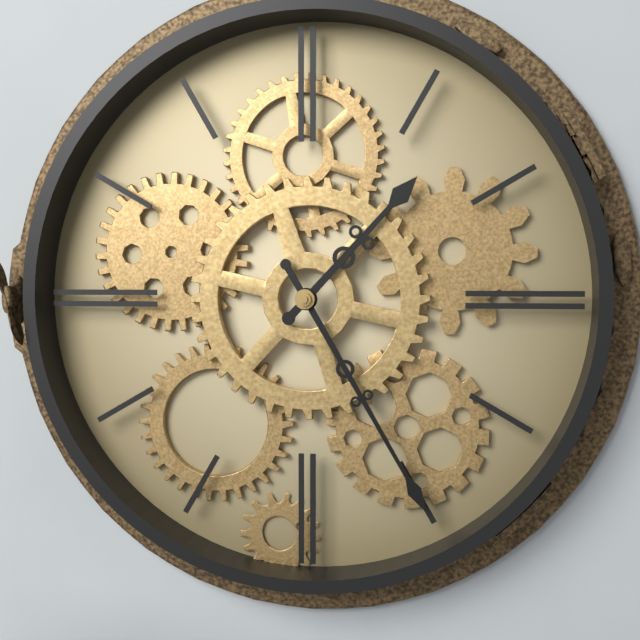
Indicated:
1 h 25 min
